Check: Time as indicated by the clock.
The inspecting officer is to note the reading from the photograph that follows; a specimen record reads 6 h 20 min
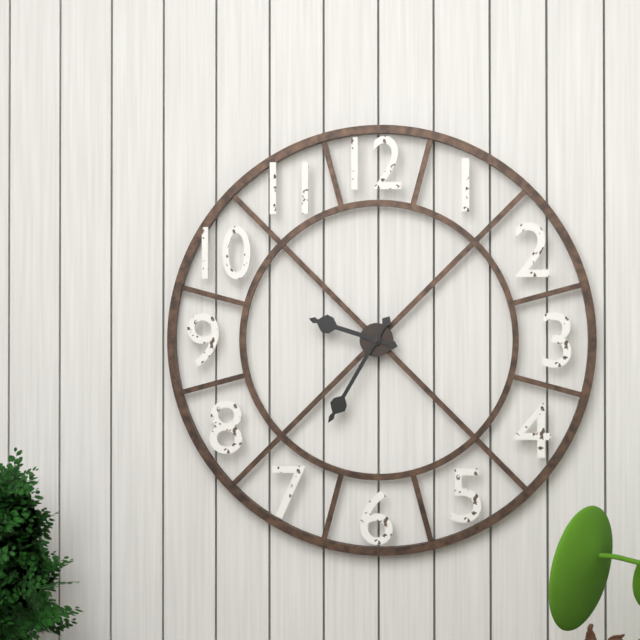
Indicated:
9 h 35 min
